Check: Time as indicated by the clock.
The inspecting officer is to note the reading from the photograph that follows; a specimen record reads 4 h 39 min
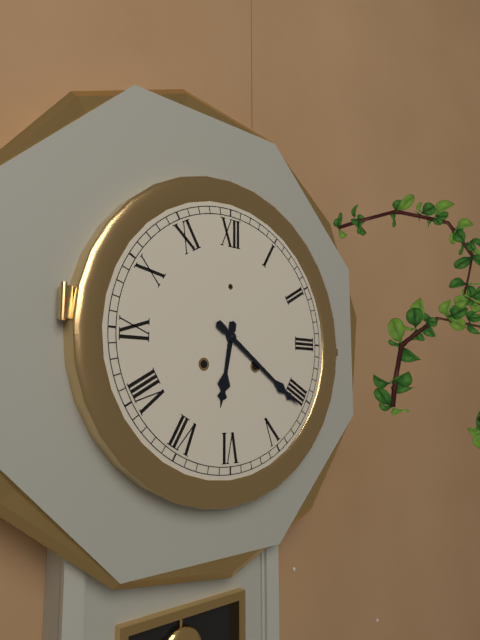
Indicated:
6 h 21 min
